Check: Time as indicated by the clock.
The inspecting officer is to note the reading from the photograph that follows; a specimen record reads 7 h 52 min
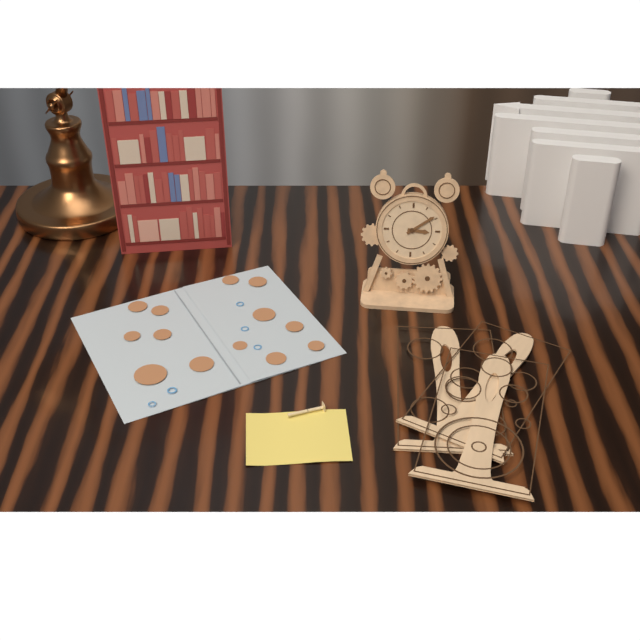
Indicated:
3 h 09 min
